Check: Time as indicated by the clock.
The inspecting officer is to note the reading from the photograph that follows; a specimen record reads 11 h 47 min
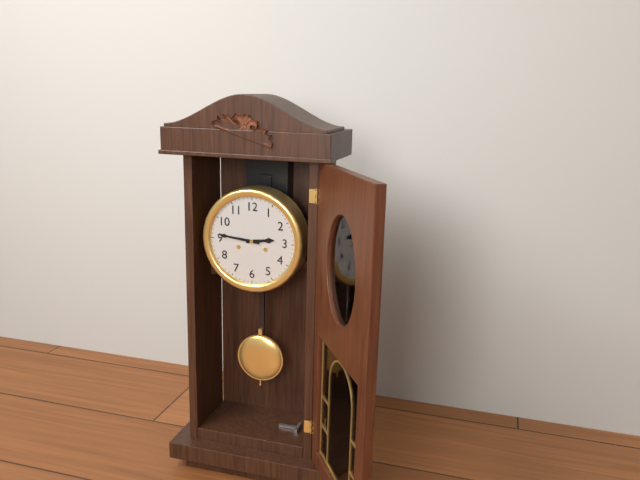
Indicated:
2 h 46 min
